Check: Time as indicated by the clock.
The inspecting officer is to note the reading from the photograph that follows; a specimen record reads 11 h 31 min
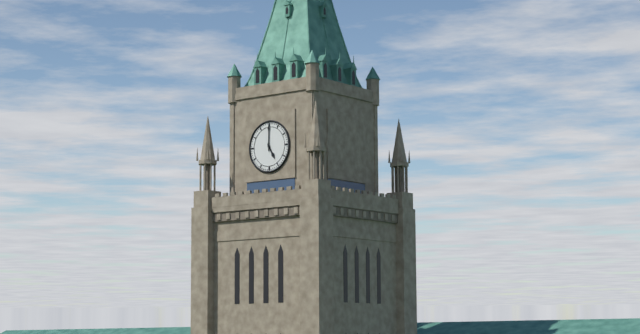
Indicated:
5 h 00 min
